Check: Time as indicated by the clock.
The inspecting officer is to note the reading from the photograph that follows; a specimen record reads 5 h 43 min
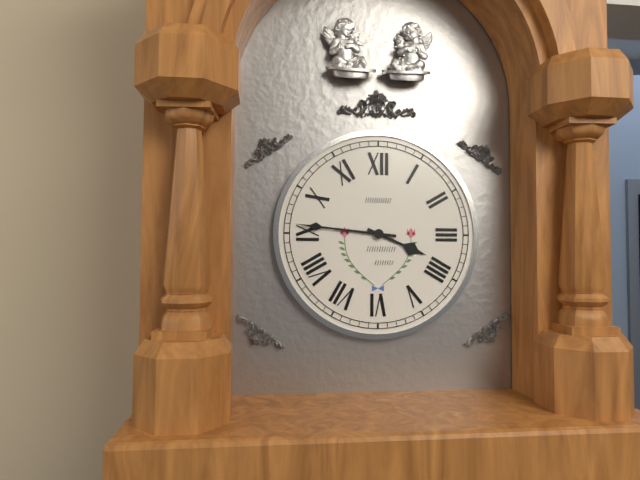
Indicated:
3 h 46 min
